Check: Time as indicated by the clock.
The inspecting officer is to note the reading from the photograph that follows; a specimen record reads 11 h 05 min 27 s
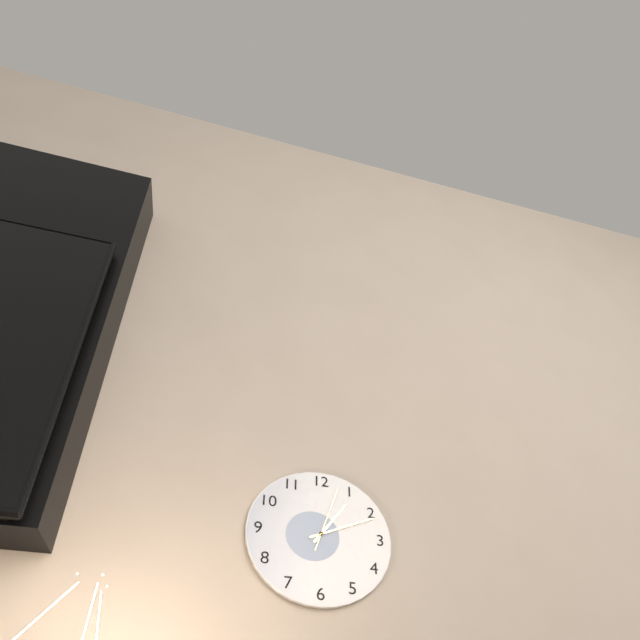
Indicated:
1 h 11 min 03 s
